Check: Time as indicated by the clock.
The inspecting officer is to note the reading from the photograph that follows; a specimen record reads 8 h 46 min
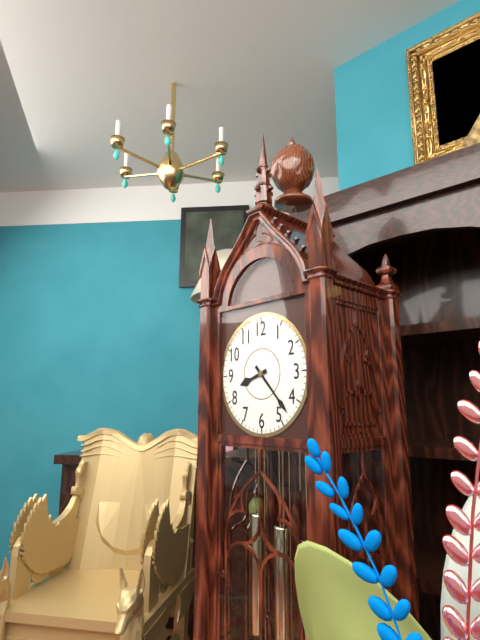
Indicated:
8 h 23 min
